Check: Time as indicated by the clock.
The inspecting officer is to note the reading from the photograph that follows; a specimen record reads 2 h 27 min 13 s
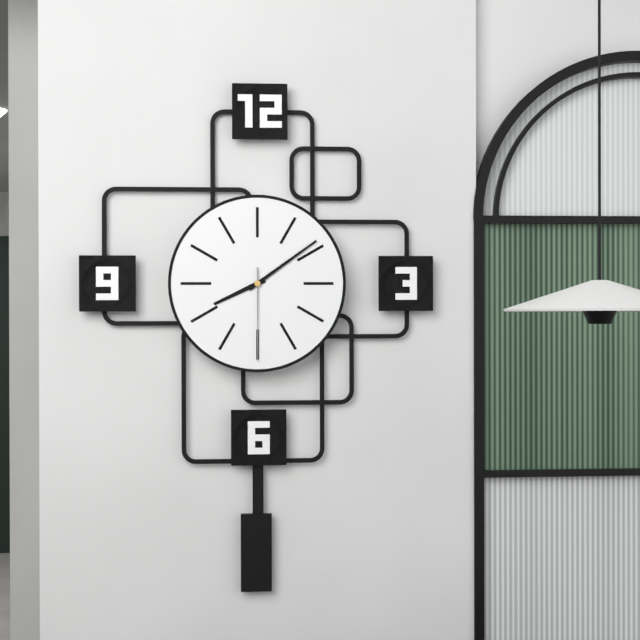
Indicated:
8 h 09 min 30 s
